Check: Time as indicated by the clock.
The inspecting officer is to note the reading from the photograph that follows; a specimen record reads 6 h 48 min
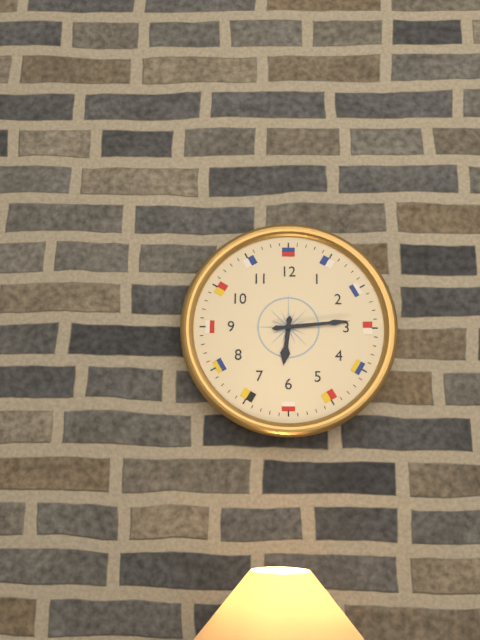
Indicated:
6 h 14 min
